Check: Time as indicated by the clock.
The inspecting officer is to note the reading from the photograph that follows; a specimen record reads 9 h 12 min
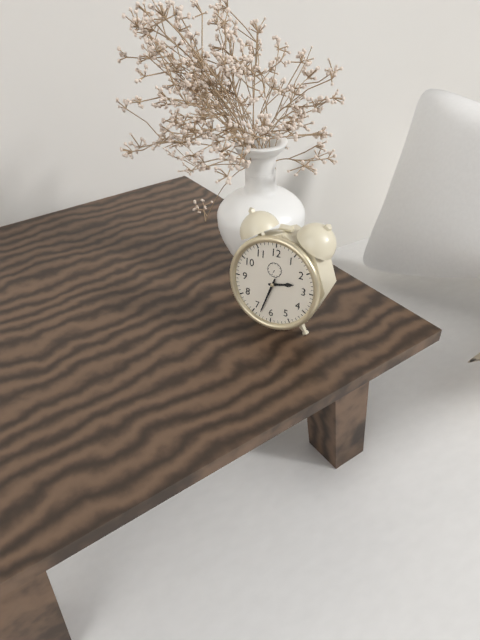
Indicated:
2 h 33 min
